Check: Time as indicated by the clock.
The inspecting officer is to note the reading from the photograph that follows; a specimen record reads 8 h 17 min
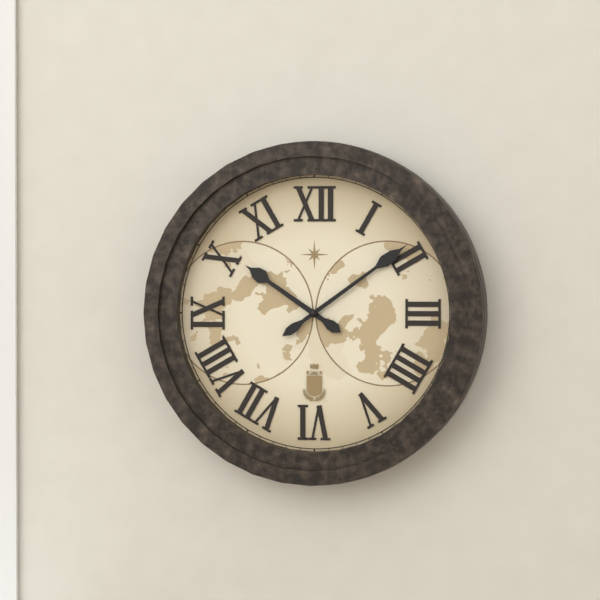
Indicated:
10 h 09 min
